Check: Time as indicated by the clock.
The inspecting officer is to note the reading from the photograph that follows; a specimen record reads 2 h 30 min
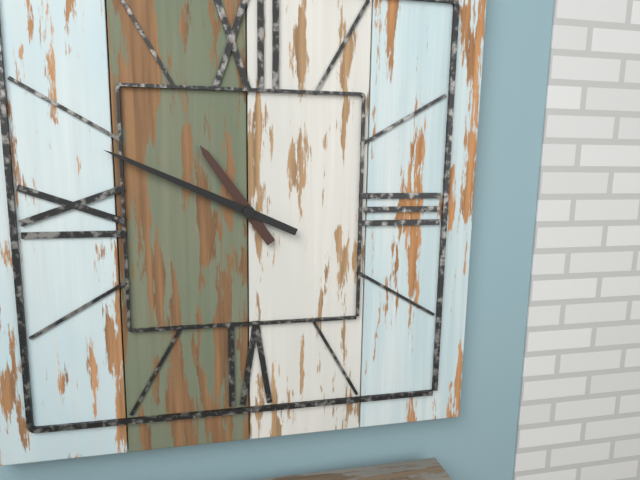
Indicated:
10 h 49 min
